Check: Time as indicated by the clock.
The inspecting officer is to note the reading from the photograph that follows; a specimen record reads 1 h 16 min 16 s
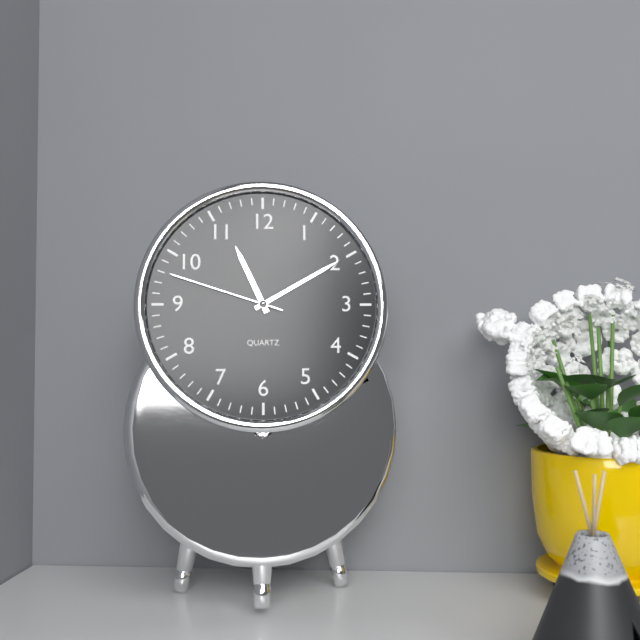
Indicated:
11 h 10 min 48 s
